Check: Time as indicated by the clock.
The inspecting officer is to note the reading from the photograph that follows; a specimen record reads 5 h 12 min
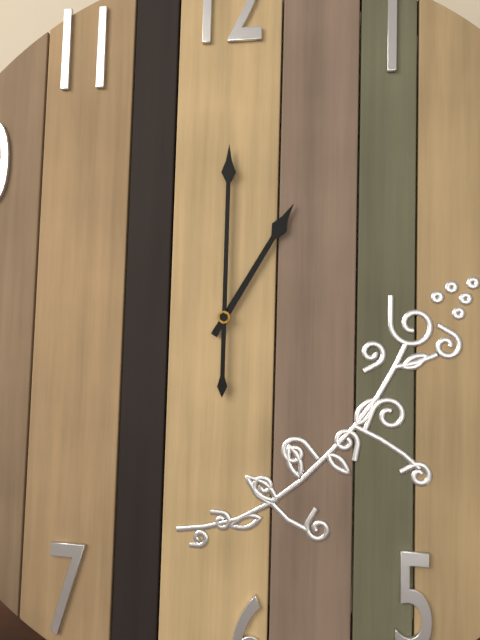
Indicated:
1 h 00 min
